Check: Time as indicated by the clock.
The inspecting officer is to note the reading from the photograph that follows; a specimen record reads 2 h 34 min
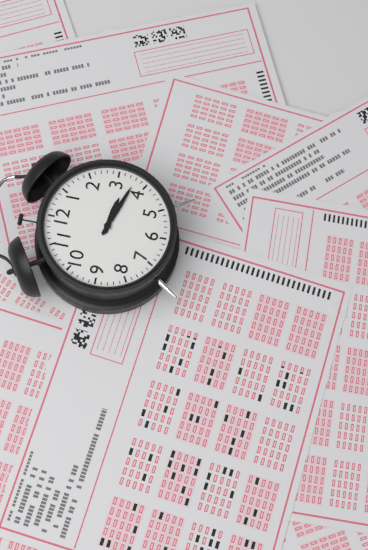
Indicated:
3 h 18 min
